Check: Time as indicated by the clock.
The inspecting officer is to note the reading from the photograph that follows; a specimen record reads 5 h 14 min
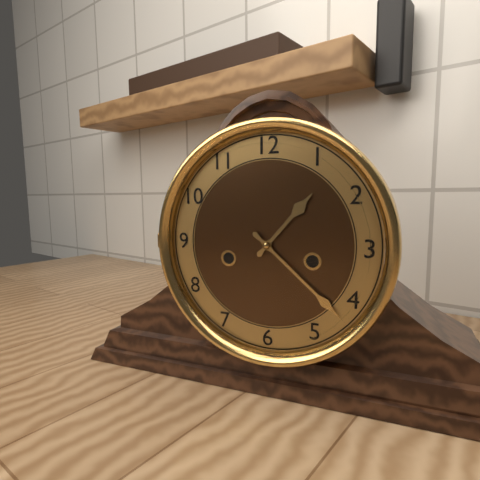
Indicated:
1 h 22 min
